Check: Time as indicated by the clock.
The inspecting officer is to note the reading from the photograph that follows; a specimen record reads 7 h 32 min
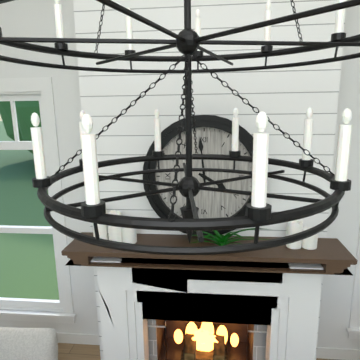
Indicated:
3 h 59 min
